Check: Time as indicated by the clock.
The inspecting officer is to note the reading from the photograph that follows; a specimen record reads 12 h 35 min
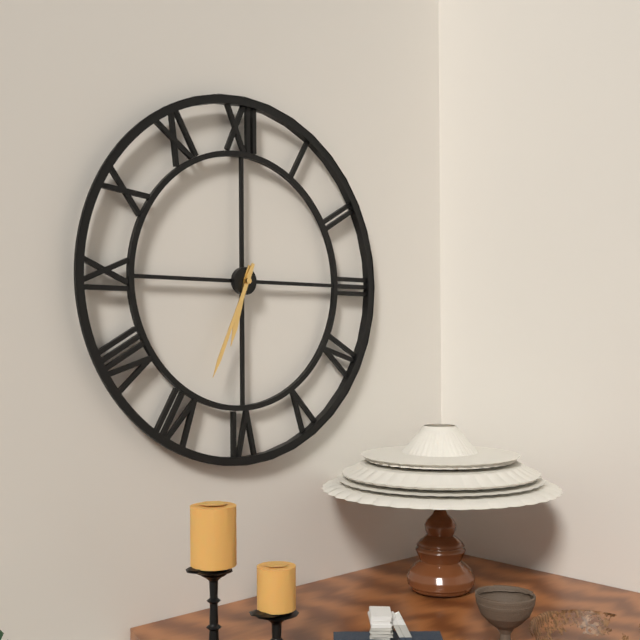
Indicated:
6 h 34 min
